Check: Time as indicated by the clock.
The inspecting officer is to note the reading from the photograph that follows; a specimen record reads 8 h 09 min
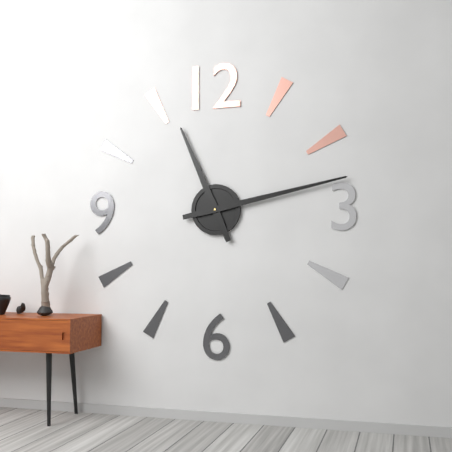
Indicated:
11 h 13 min
